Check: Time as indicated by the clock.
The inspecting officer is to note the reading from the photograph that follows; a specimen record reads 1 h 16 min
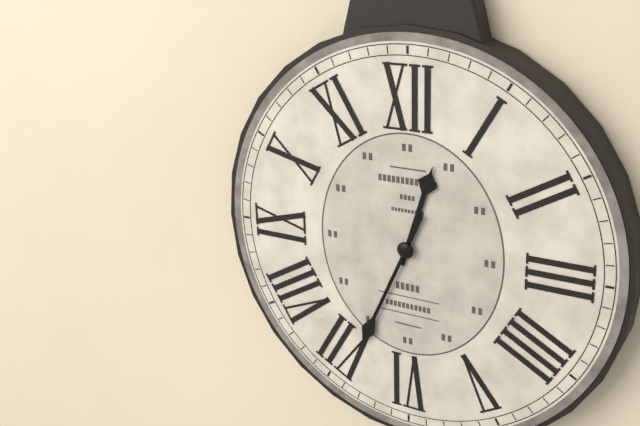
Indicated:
12 h 34 min
